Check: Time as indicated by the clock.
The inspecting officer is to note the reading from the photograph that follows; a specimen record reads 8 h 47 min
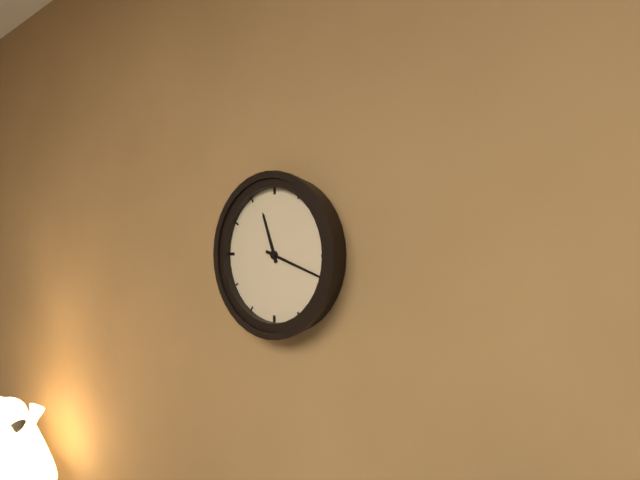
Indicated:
11 h 18 min
